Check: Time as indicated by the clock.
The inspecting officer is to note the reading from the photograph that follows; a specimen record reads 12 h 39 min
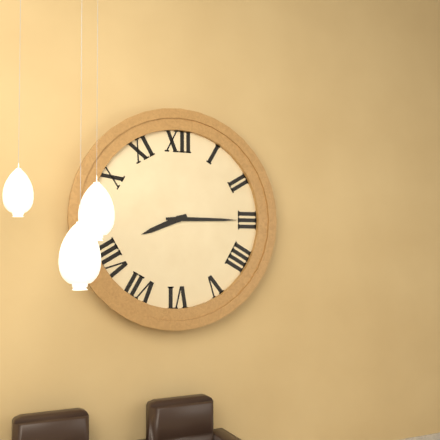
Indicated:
8 h 15 min
